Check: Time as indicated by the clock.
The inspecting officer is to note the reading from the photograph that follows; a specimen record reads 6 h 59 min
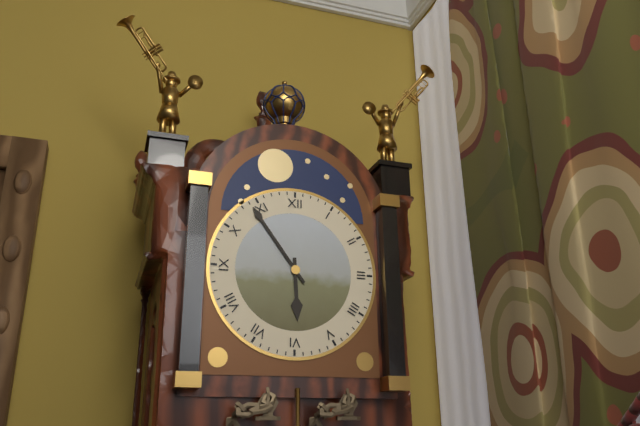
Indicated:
5 h 54 min
